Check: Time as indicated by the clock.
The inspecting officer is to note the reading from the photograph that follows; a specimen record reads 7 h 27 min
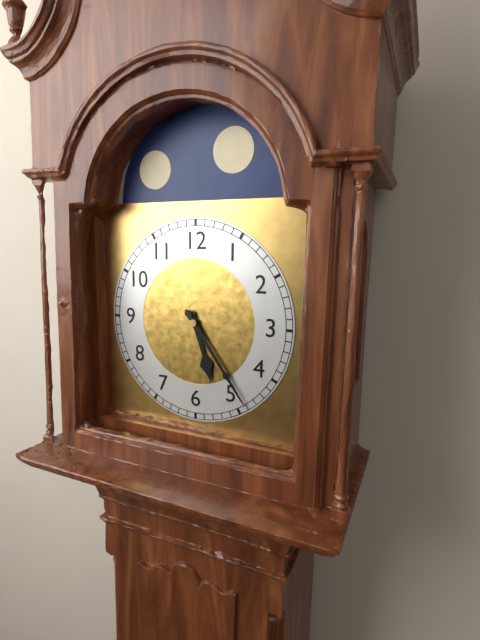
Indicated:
5 h 24 min
